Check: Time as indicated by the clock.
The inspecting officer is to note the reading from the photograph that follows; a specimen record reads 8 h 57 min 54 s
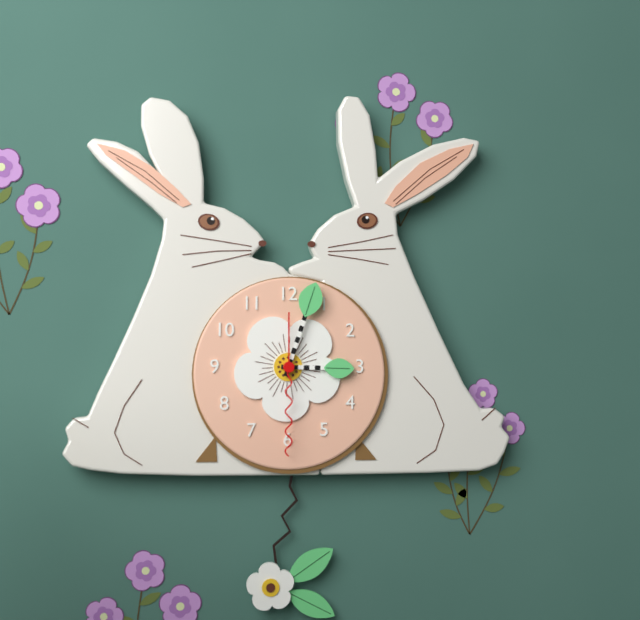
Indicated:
3 h 03 min 30 s
